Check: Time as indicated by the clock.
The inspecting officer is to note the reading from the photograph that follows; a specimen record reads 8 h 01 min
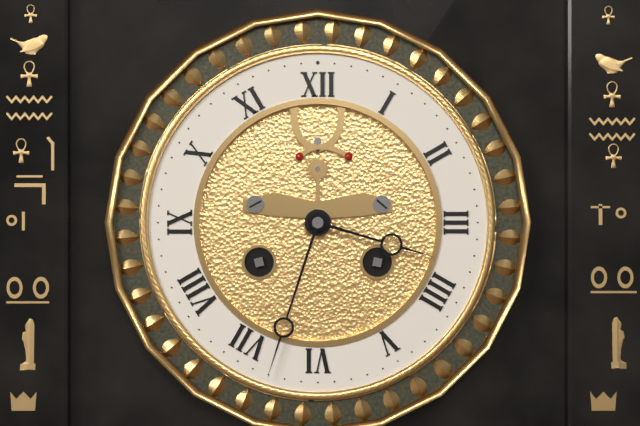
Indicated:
3 h 33 min
